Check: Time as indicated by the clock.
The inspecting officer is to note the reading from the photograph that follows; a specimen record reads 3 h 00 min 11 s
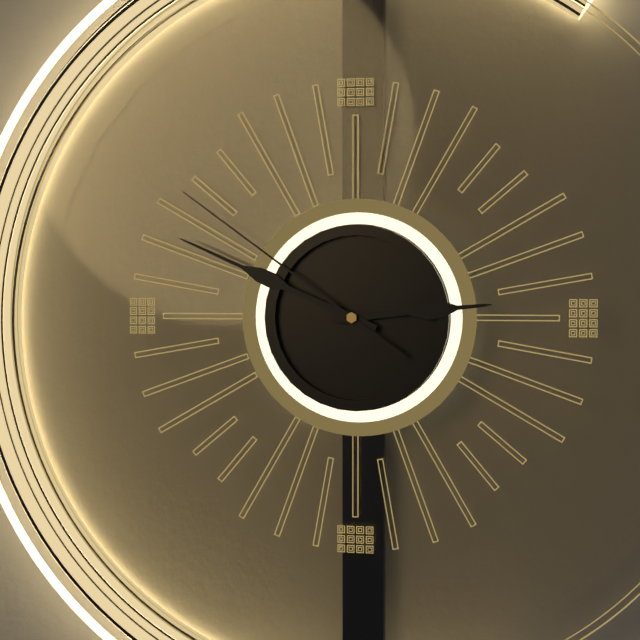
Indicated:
2 h 49 min 51 s
